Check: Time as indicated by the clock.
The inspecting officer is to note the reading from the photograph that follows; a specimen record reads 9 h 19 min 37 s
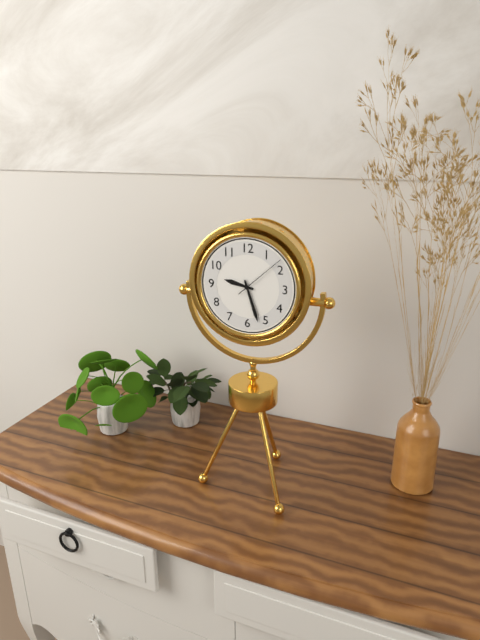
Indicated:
9 h 27 min 08 s
